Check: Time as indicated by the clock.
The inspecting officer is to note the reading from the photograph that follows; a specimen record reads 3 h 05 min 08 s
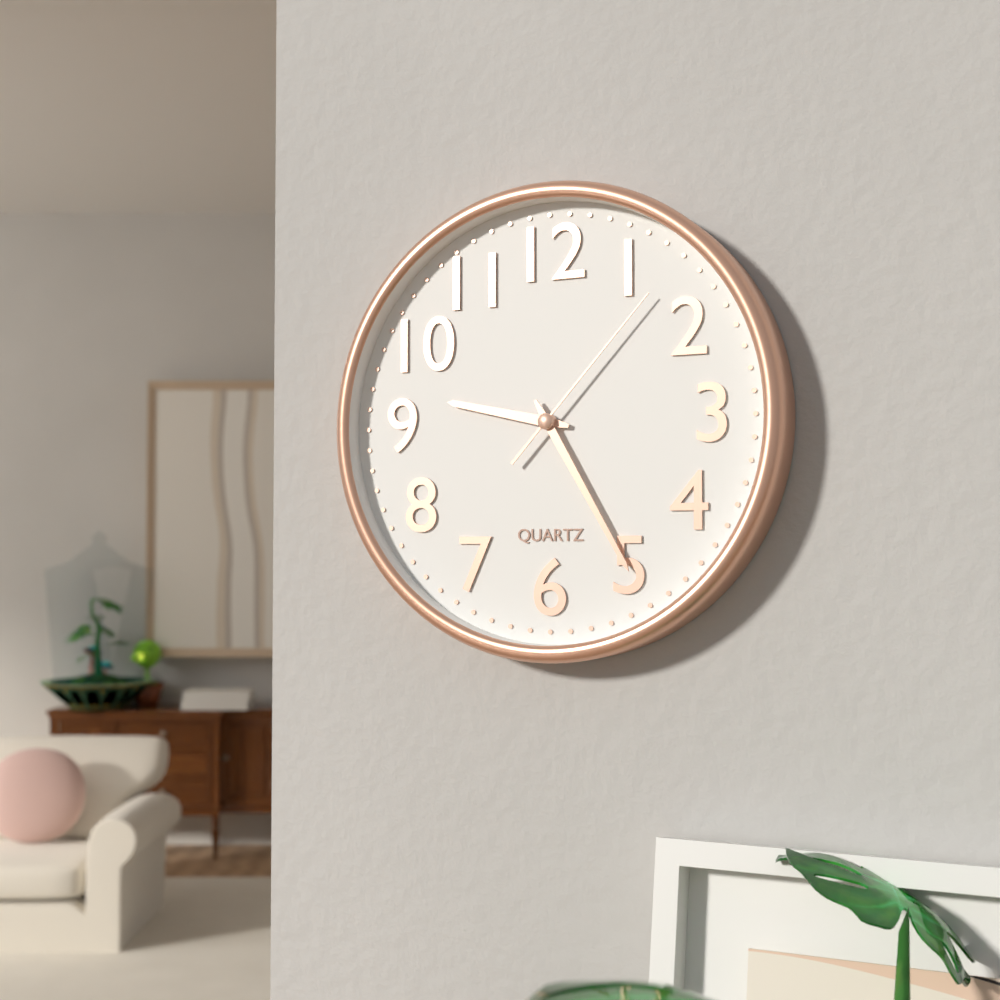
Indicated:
9 h 25 min 07 s
